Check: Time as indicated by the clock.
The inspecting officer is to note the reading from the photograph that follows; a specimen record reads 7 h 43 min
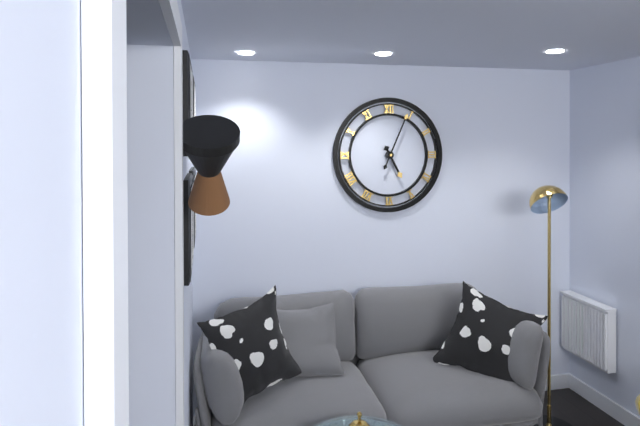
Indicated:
5 h 04 min
